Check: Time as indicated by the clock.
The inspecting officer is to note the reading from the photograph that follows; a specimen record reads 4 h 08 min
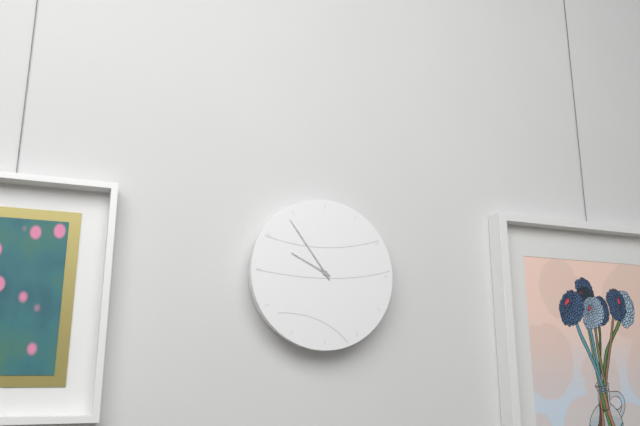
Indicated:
9 h 54 min
